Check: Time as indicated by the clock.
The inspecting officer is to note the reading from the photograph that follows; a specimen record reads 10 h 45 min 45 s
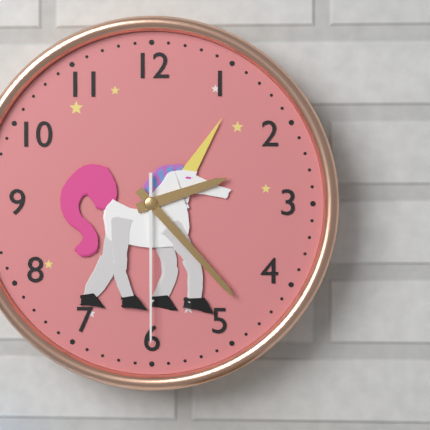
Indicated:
2 h 23 min 30 s
